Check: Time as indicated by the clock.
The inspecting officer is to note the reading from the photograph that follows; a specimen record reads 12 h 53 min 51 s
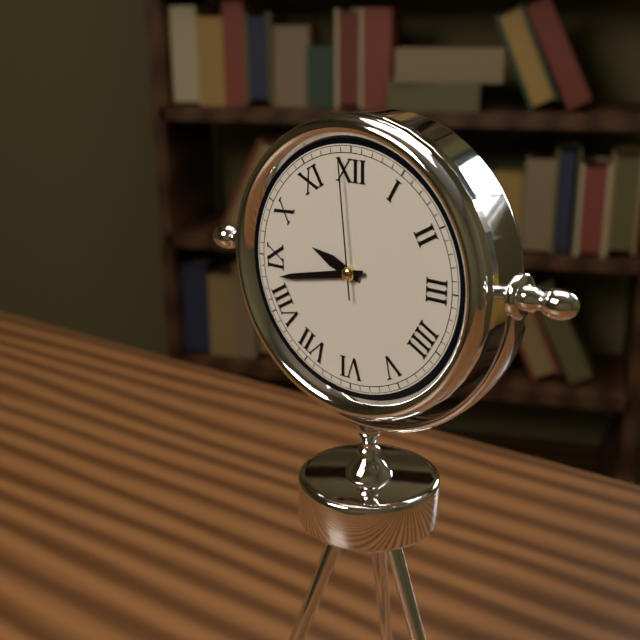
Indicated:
9 h 43 min 59 s
